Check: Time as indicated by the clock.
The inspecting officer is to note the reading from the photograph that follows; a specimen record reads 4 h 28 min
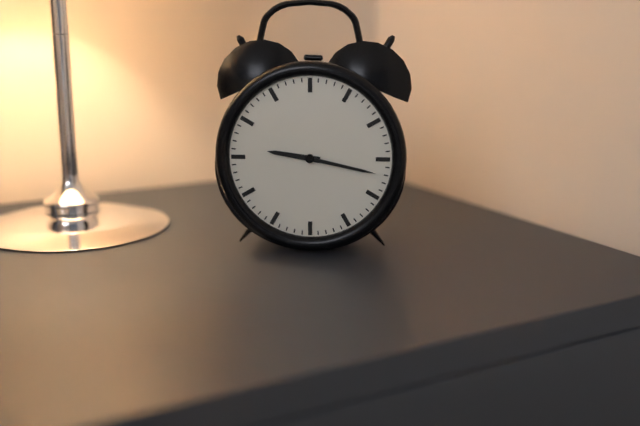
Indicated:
9 h 17 min
